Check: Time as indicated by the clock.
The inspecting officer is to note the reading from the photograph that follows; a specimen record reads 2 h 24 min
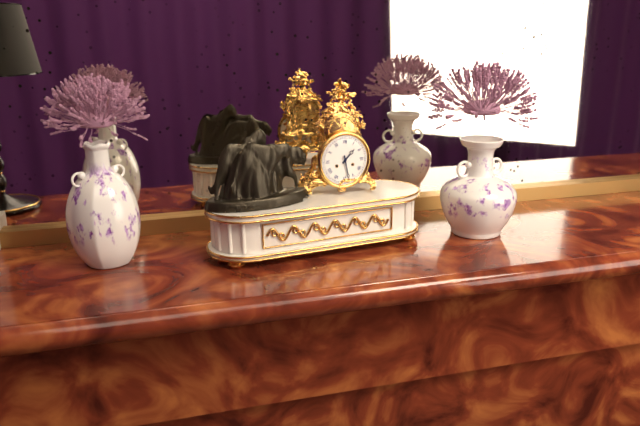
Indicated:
1 h 28 min
